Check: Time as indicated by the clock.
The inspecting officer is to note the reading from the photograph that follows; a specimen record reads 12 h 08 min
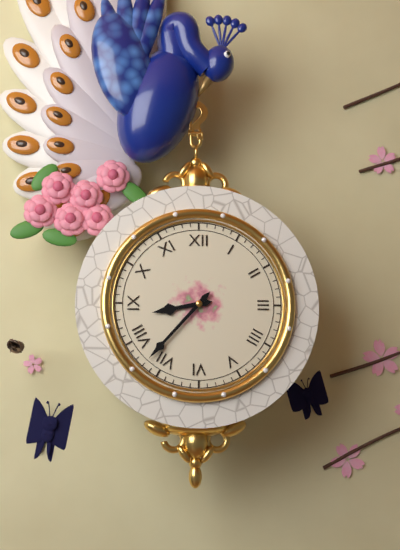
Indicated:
8 h 37 min
